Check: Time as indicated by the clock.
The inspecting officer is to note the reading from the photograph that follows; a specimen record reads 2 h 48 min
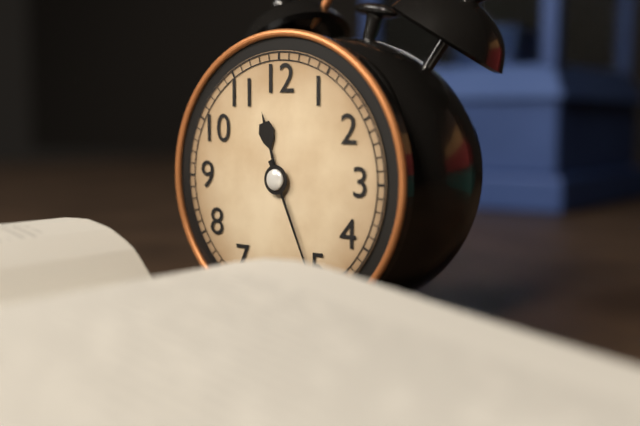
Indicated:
11 h 26 min
